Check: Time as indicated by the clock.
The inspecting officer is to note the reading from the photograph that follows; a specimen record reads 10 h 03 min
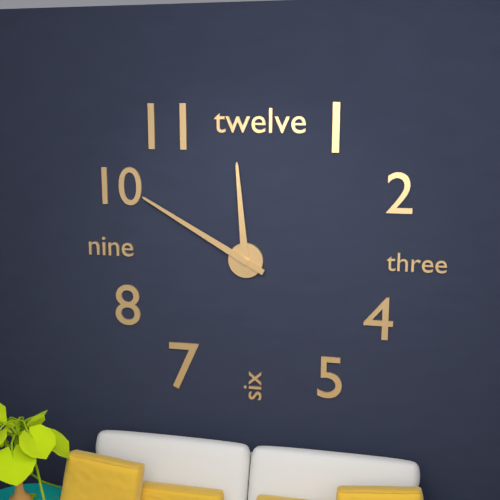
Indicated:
11 h 50 min
